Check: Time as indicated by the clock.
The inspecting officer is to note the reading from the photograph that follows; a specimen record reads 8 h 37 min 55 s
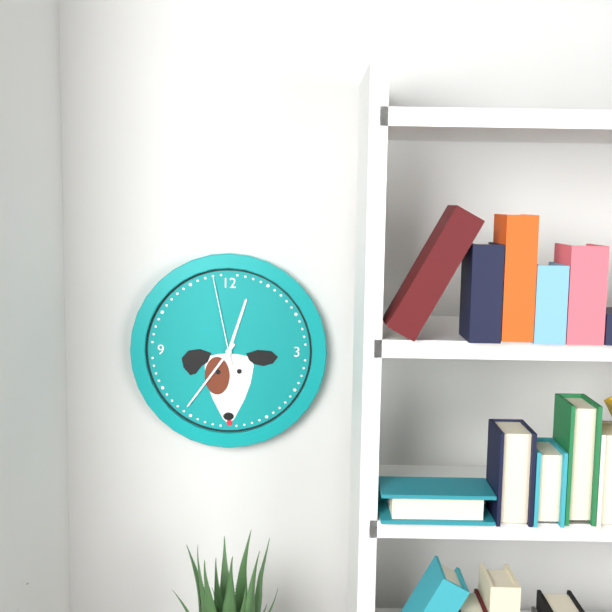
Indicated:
12 h 36 min 58 s
